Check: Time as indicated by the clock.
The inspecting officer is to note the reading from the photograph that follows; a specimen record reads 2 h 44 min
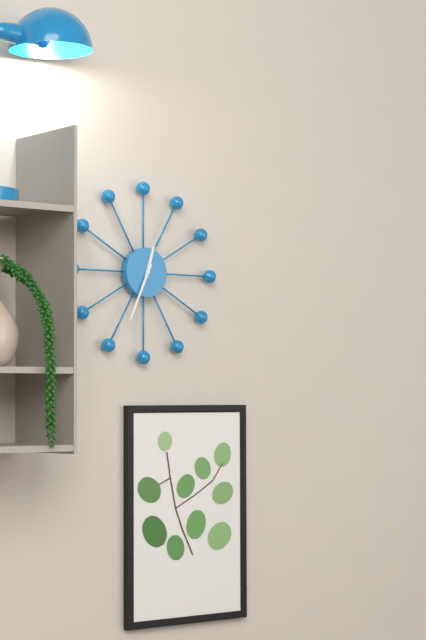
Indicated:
12 h 34 min
